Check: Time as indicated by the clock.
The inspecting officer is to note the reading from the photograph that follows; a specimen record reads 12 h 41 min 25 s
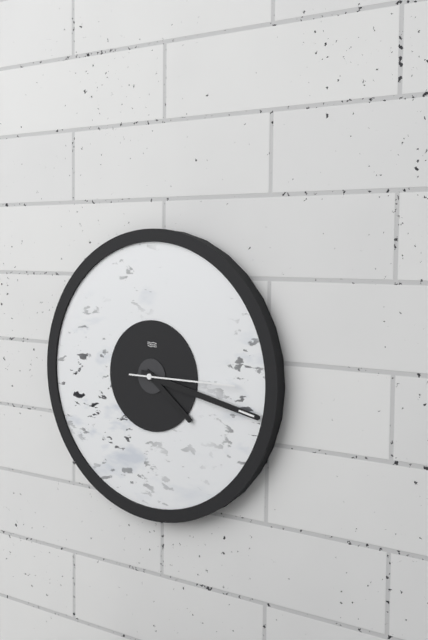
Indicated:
4 h 17 min 15 s
